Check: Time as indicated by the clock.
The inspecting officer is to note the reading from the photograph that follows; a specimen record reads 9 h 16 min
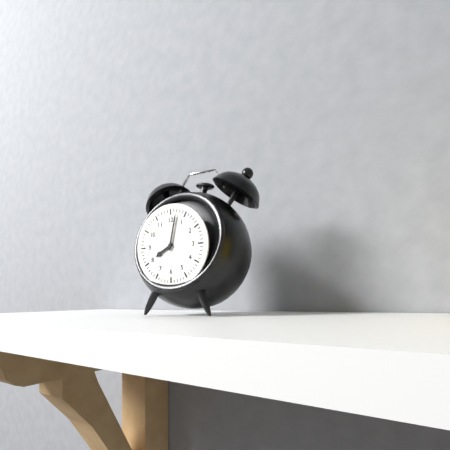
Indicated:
8 h 02 min
